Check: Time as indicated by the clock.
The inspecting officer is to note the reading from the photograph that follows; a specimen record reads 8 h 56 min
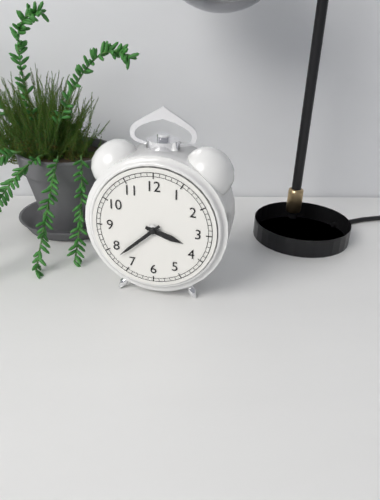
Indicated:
3 h 38 min
